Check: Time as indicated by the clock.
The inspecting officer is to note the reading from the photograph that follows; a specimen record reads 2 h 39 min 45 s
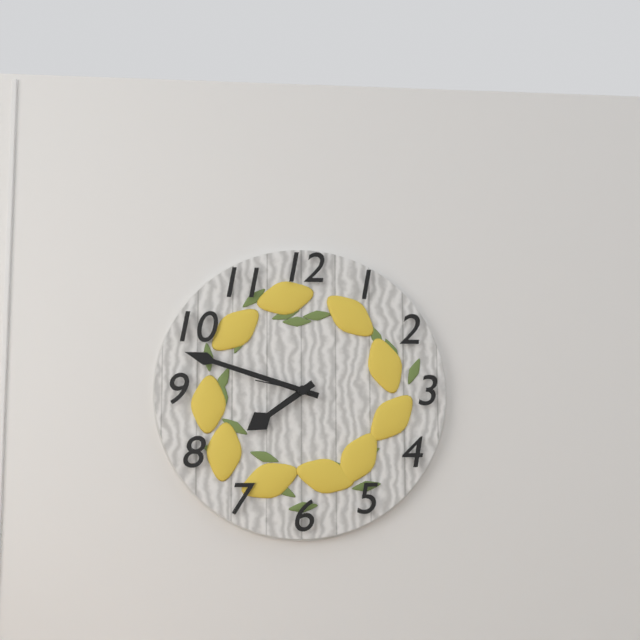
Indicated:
7 h 48 min 47 s
